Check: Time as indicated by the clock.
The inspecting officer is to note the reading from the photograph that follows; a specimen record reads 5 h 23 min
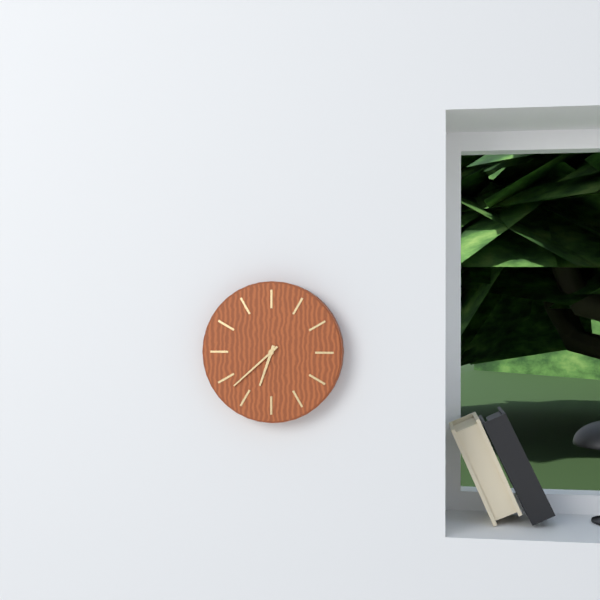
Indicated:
6 h 38 min
